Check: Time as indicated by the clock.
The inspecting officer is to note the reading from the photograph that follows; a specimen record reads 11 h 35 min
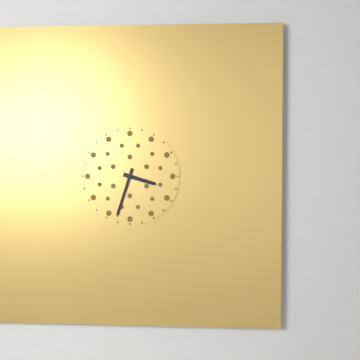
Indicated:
3 h 33 min
